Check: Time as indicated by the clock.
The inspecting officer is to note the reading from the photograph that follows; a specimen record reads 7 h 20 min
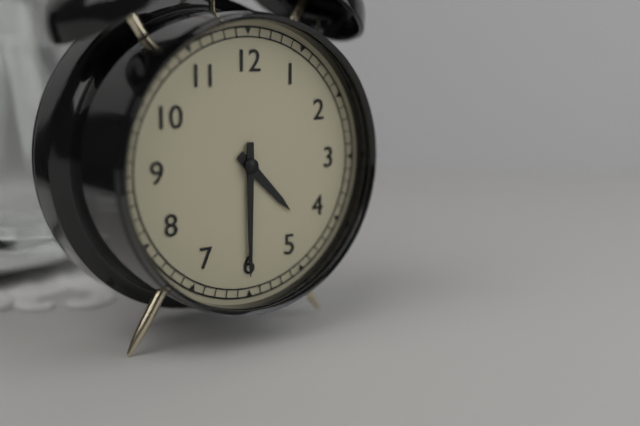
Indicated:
4 h 30 min
